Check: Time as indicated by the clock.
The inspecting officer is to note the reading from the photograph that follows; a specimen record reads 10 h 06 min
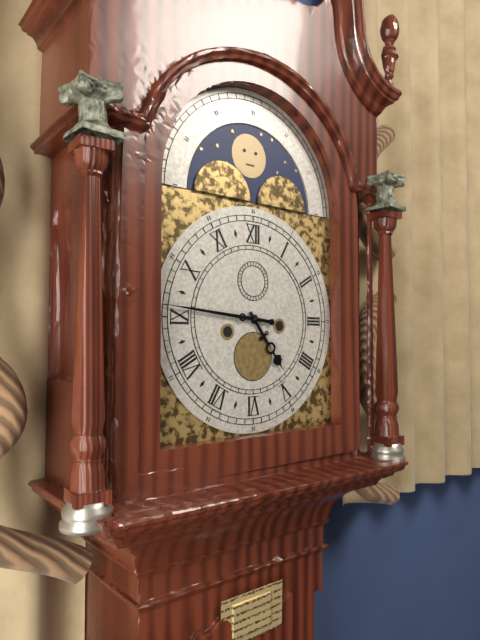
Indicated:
4 h 46 min
